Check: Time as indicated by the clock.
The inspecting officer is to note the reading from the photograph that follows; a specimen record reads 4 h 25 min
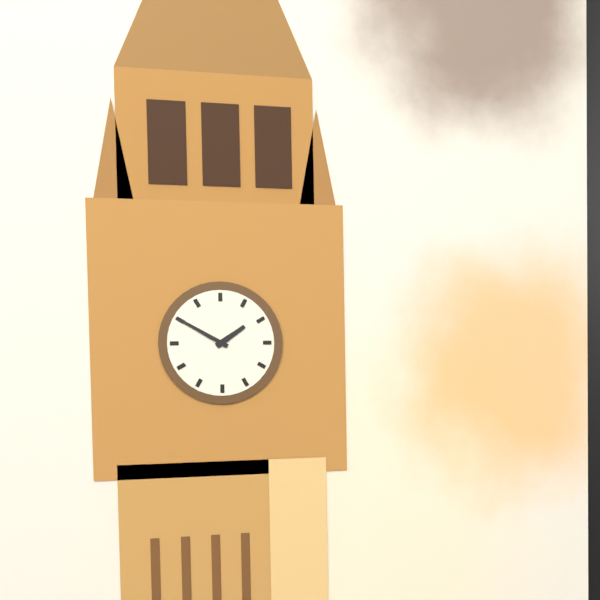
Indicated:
1 h 50 min
